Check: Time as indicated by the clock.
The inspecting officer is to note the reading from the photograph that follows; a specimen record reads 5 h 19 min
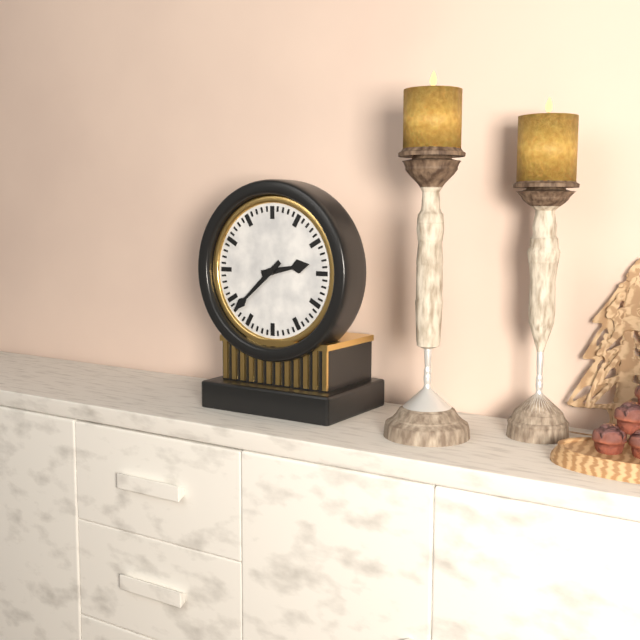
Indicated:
2 h 38 min
